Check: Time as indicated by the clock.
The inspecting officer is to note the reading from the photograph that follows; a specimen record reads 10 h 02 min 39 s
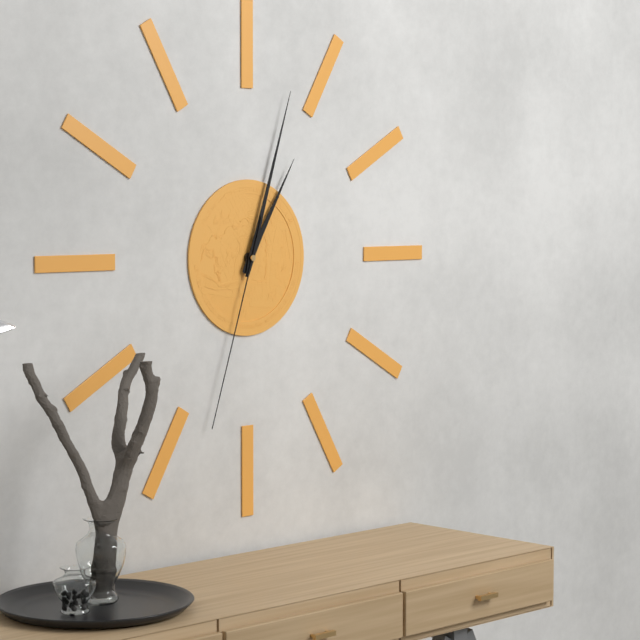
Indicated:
1 h 03 min 33 s
